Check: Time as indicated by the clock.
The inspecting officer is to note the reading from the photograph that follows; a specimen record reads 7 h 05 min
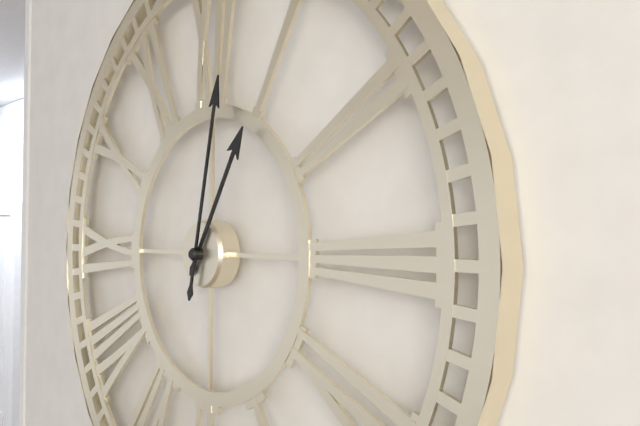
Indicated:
1 h 02 min
